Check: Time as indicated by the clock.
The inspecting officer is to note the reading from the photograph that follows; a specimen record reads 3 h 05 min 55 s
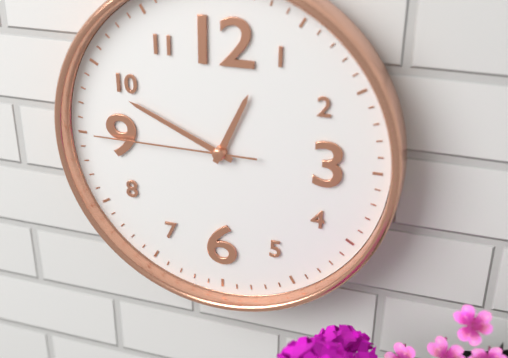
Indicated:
12 h 49 min 45 s
